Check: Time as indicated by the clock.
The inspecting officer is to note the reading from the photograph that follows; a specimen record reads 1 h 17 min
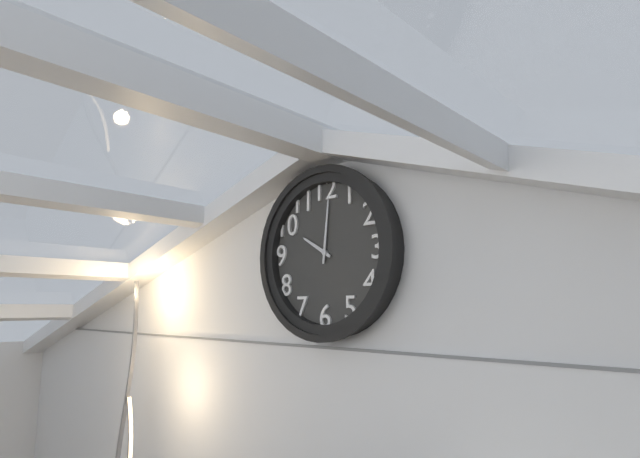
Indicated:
10 h 01 min
